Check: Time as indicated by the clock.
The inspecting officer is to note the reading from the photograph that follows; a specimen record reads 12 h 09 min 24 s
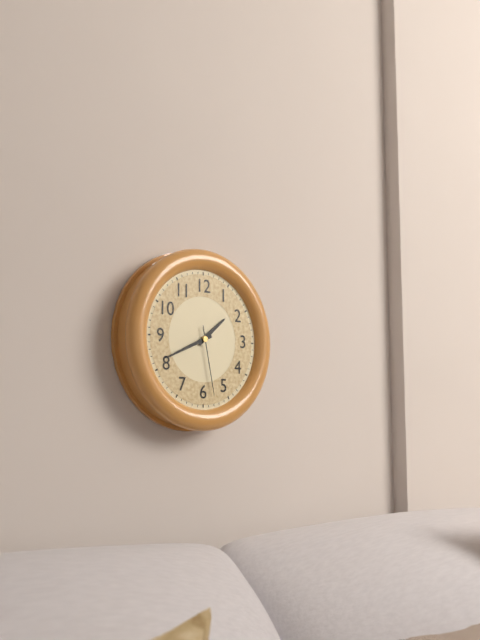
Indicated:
1 h 41 min 28 s
